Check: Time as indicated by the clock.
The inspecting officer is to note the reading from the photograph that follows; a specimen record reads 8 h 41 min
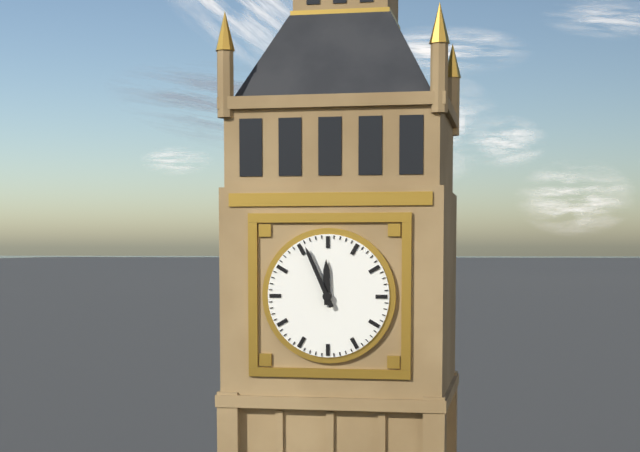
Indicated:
11 h 56 min
